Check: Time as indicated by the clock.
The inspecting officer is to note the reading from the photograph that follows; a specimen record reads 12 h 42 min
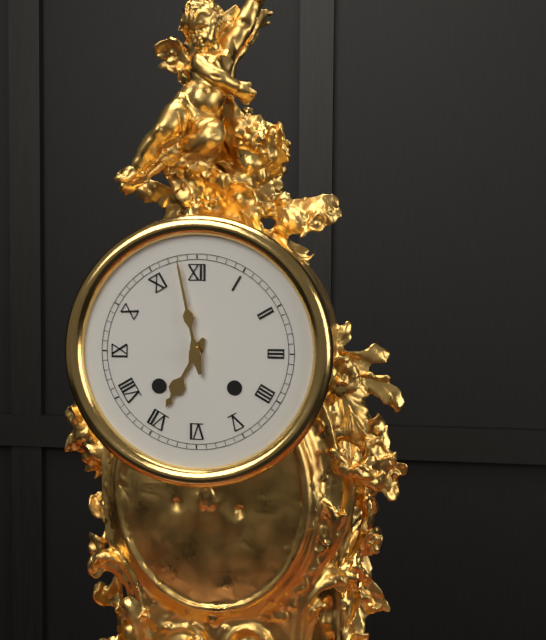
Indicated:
6 h 58 min
